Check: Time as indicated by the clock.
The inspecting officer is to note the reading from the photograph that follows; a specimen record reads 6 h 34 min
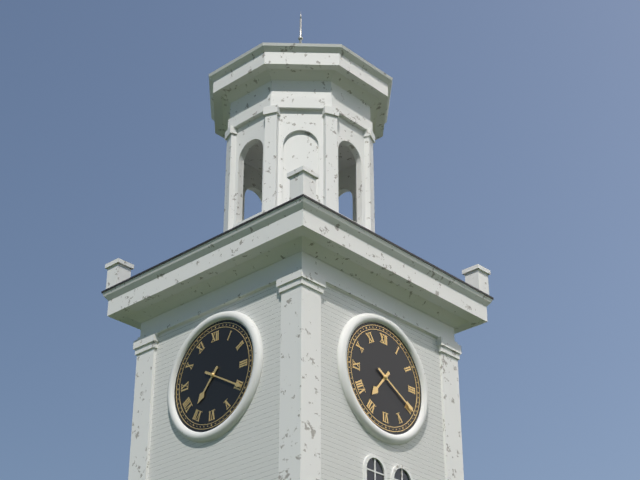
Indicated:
7 h 20 min
